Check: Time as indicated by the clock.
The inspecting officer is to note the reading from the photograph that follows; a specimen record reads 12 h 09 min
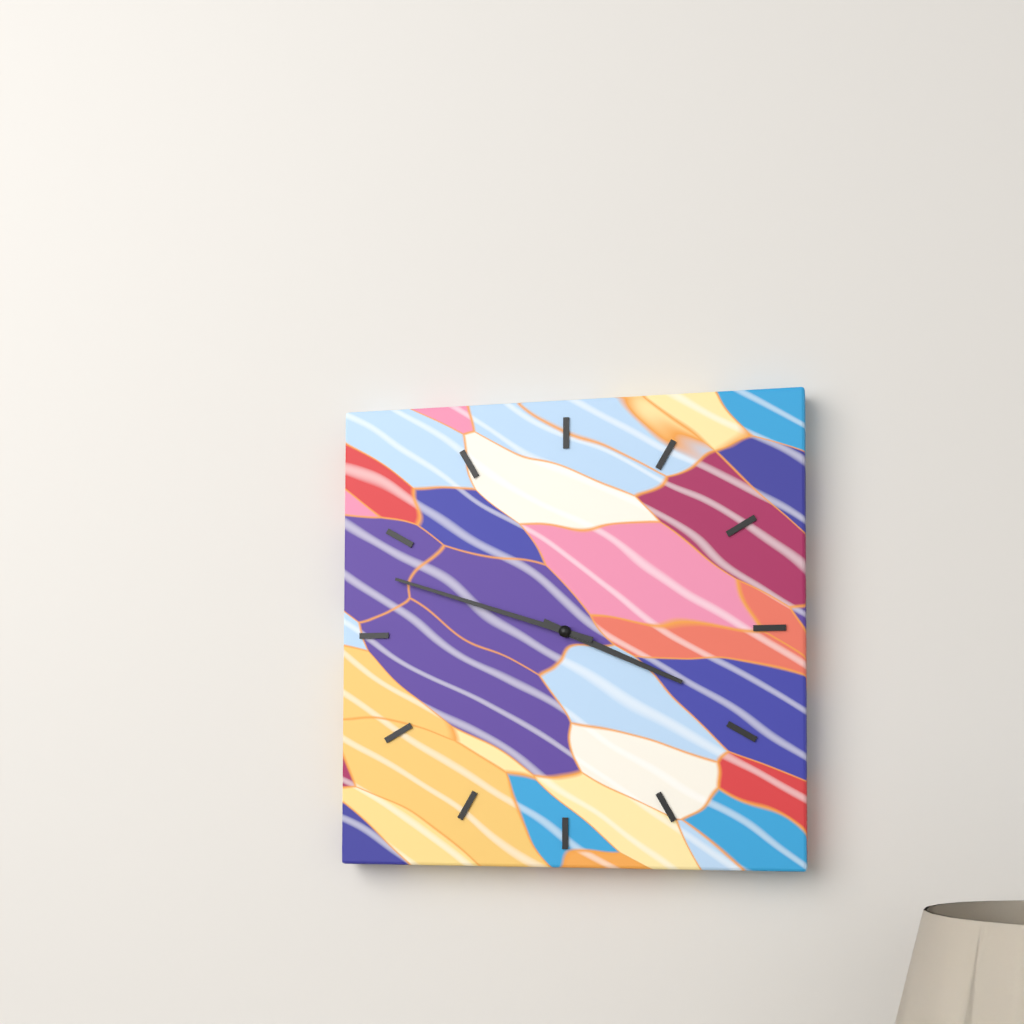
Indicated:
3 h 48 min
